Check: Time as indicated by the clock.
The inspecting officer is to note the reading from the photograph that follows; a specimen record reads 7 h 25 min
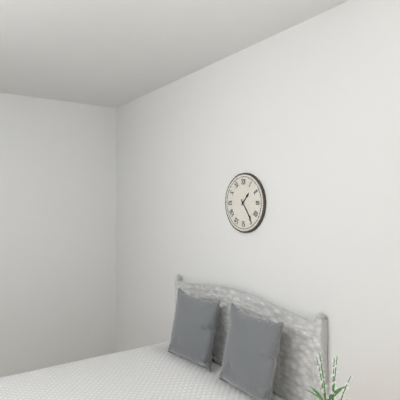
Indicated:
1 h 24 min
